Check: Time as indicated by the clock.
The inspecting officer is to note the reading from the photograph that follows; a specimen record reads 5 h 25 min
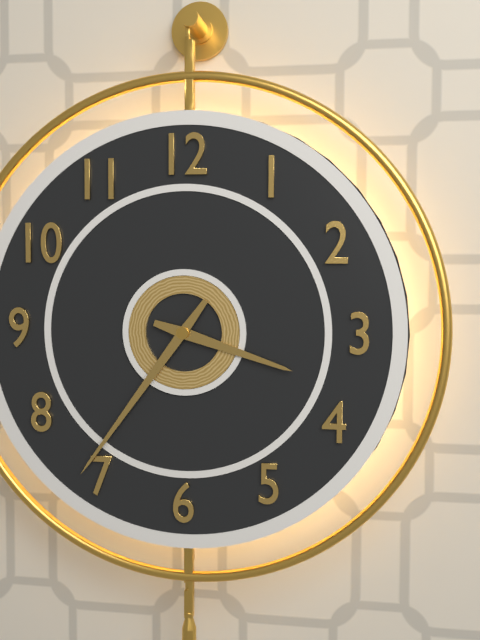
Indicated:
3 h 36 min
